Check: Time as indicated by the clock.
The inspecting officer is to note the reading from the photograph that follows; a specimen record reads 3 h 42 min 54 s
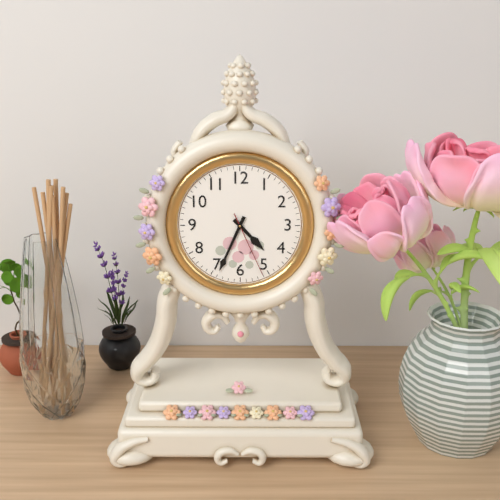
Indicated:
4 h 34 min 26 s
